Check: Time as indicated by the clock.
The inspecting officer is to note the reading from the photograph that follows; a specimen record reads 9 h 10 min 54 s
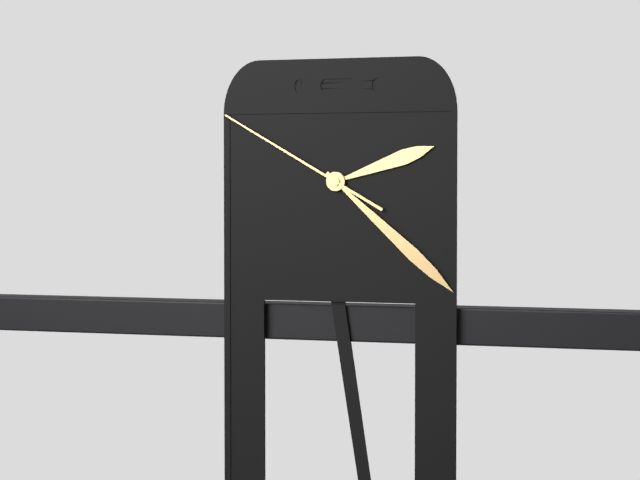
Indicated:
2 h 22 min 50 s
